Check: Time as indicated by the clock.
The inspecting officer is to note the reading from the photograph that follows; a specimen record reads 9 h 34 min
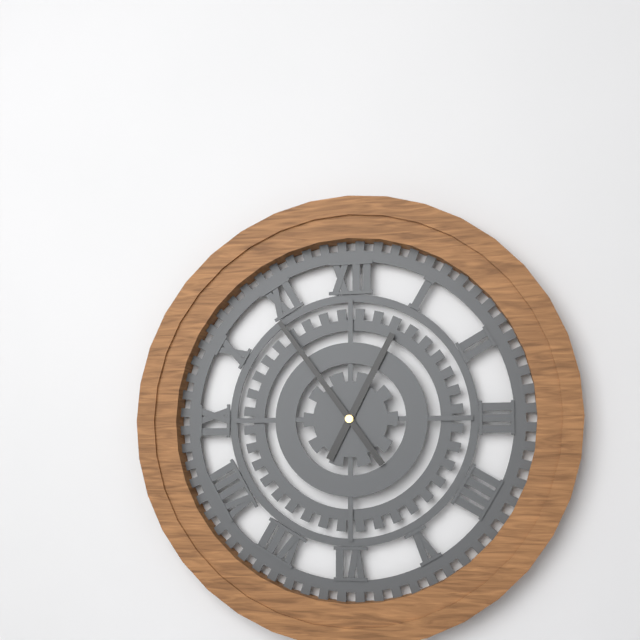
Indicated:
12 h 54 min
